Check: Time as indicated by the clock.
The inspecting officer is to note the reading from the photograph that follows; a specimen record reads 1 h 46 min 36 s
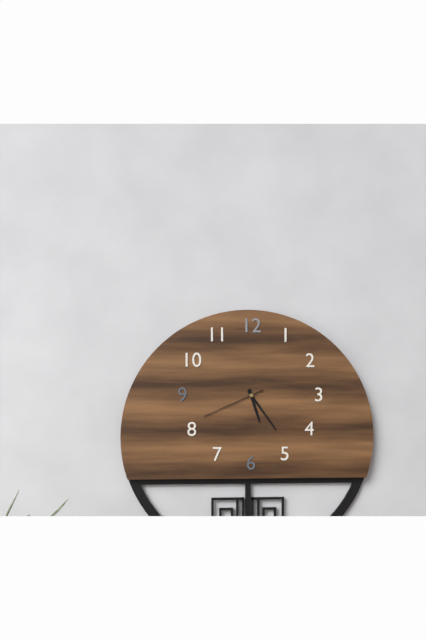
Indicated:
5 h 24 min 41 s
